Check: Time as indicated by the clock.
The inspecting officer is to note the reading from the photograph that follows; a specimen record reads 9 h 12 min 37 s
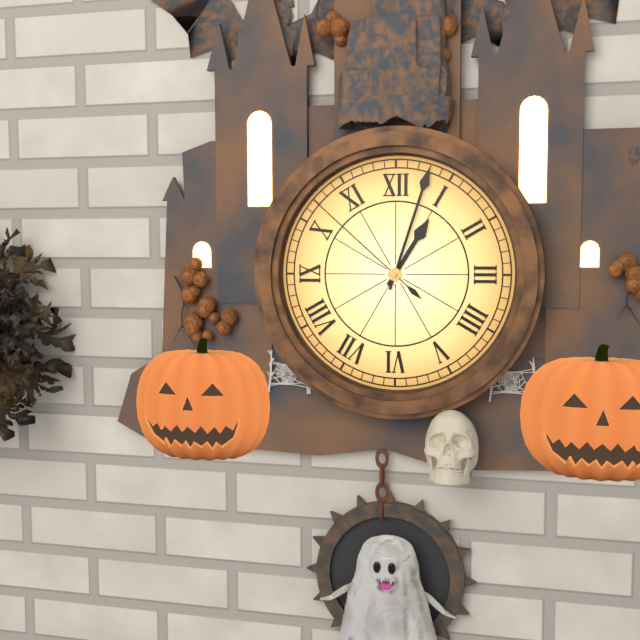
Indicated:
1 h 03 min 52 s
